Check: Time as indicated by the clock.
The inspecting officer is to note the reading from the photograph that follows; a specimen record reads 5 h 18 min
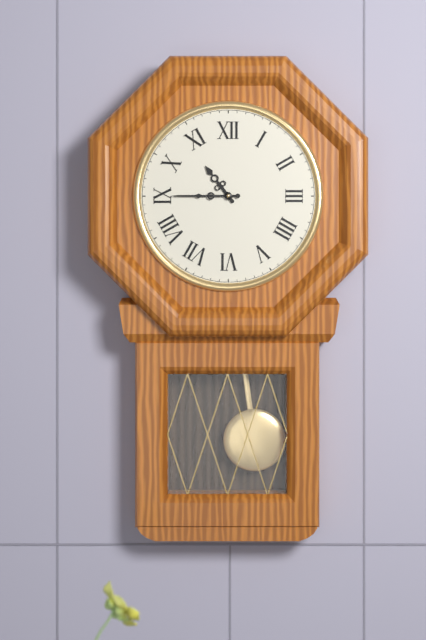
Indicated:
10 h 45 min
